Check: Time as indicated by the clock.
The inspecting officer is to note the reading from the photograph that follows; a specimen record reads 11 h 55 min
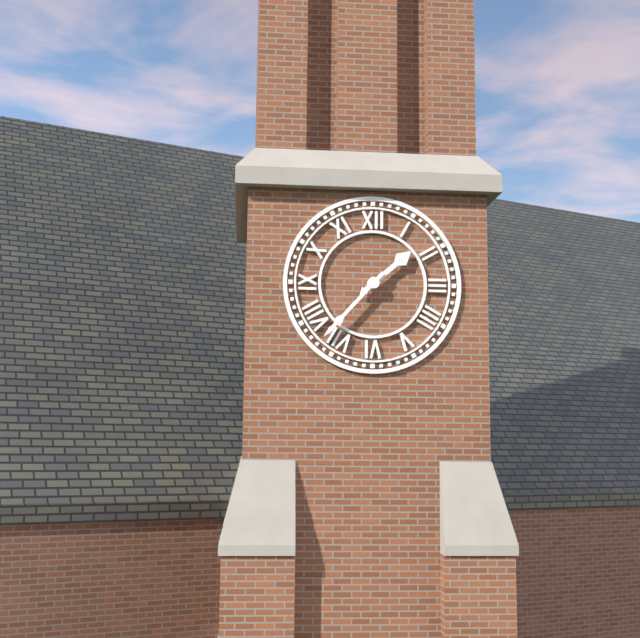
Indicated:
1 h 37 min
